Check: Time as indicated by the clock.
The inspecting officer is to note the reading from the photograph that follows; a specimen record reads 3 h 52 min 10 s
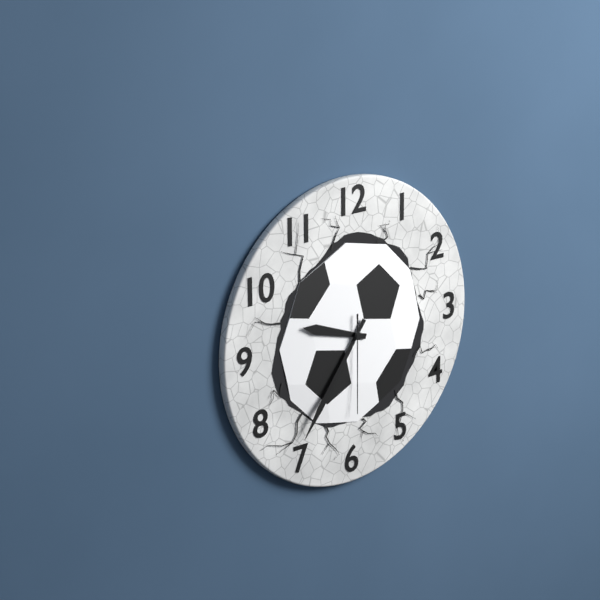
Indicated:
9 h 36 min 30 s
